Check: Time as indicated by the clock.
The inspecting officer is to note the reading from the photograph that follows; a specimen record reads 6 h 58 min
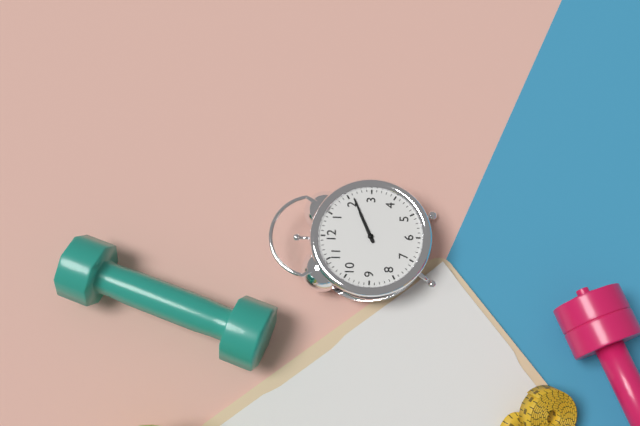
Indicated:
2 h 11 min
